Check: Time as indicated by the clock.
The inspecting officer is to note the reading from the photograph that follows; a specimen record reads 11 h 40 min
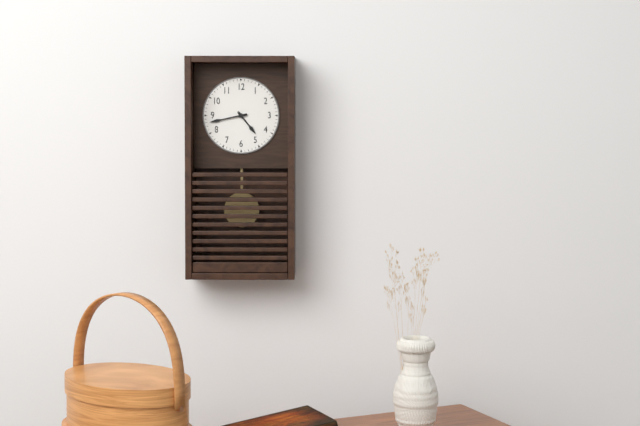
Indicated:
4 h 43 min
